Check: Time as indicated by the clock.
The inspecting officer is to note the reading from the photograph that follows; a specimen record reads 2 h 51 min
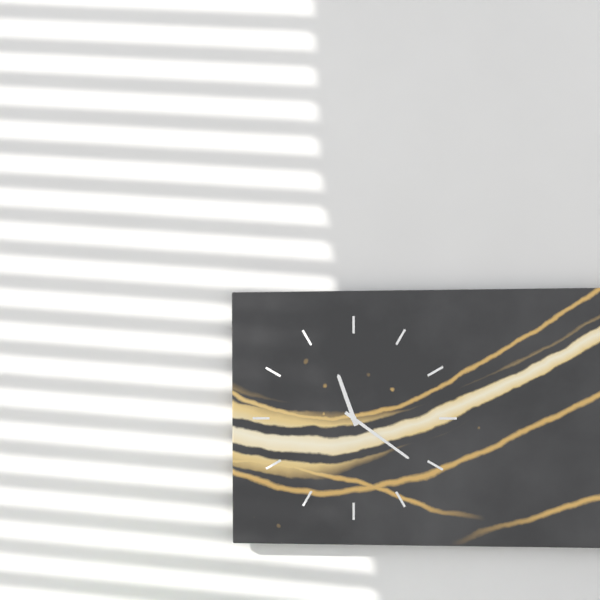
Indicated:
11 h 21 min
